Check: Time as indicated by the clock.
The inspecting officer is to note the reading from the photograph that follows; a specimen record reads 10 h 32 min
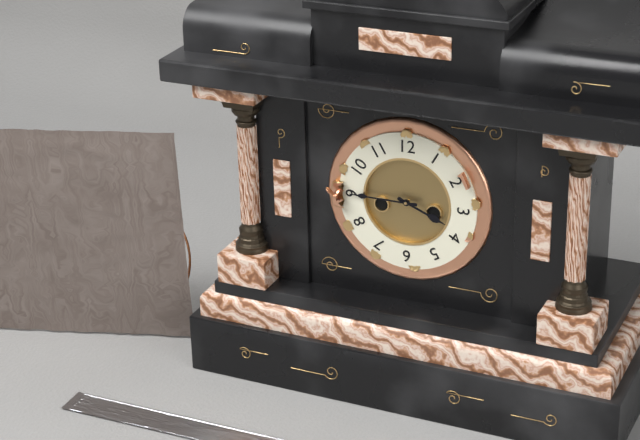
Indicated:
3 h 45 min
